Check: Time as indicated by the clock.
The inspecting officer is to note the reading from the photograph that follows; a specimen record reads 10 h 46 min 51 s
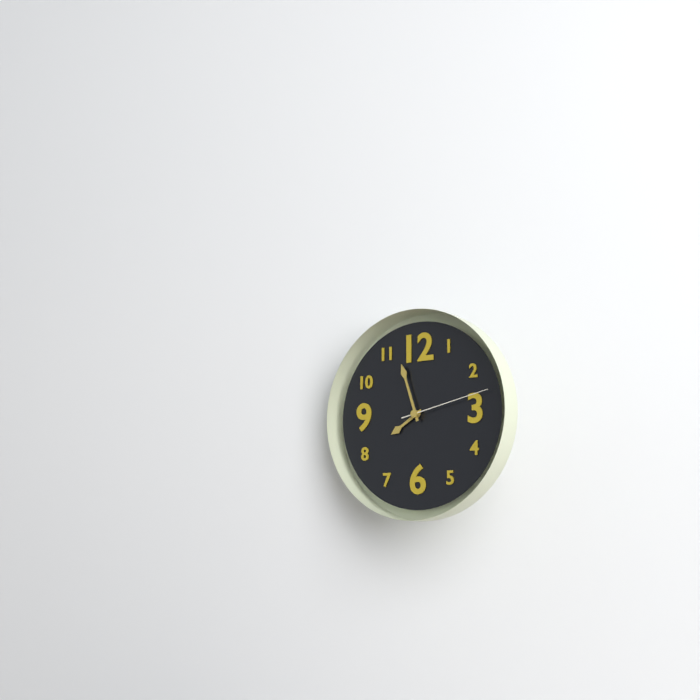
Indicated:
7 h 57 min 13 s
